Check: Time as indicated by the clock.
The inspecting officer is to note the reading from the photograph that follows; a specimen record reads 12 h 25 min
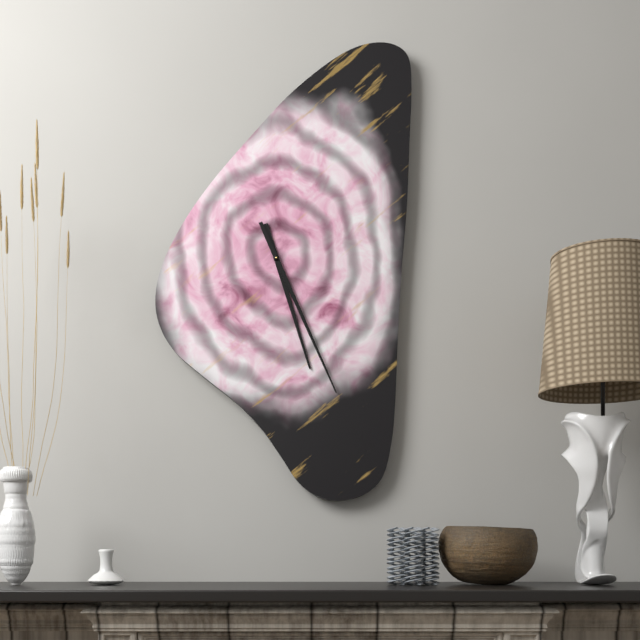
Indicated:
5 h 26 min
